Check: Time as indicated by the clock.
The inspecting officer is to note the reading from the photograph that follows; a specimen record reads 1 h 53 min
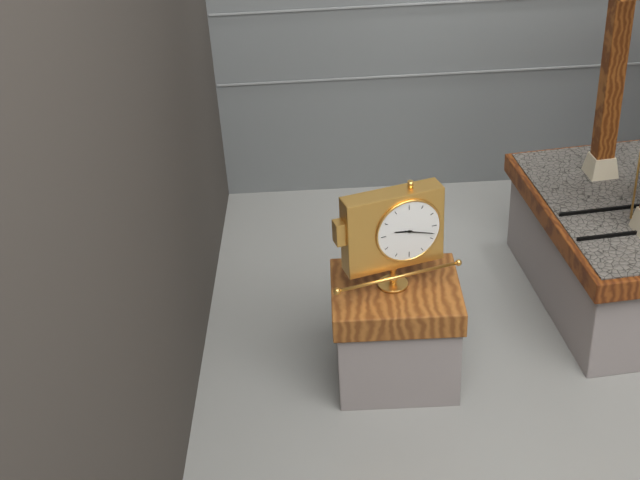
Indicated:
9 h 18 min
